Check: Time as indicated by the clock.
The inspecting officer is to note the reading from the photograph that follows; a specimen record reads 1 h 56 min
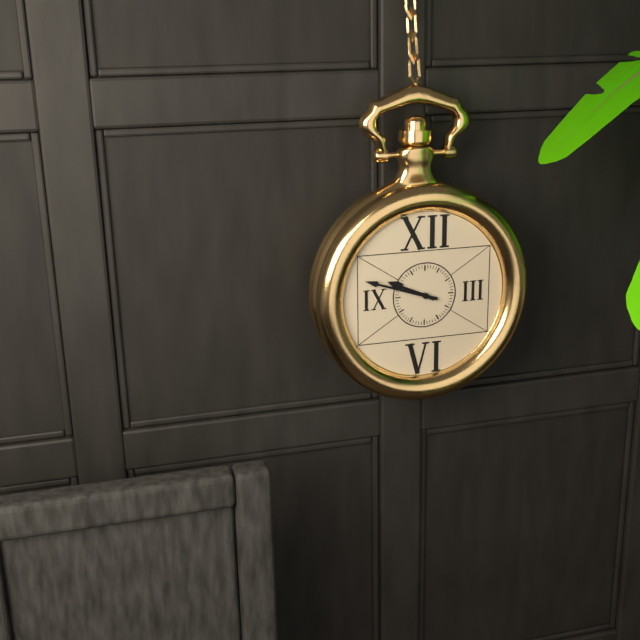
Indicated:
9 h 48 min
